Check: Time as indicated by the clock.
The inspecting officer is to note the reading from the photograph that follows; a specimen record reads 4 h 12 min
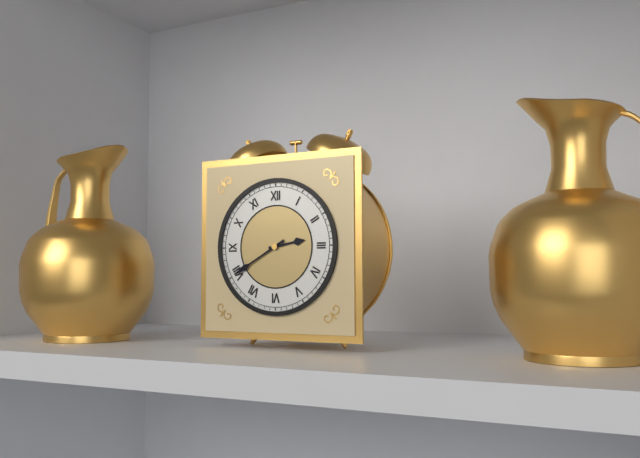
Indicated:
2 h 40 min
